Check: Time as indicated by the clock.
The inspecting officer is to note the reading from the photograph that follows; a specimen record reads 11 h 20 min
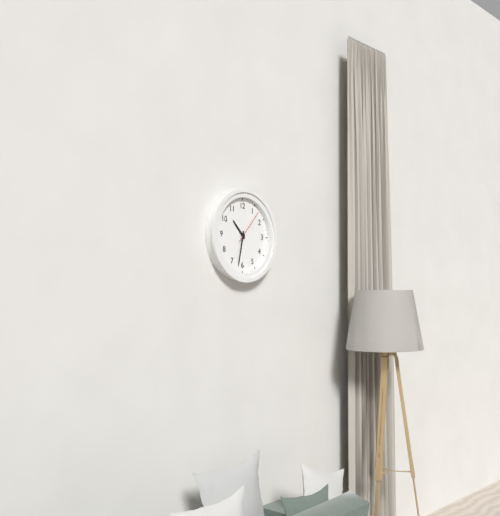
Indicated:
10 h 32 min
